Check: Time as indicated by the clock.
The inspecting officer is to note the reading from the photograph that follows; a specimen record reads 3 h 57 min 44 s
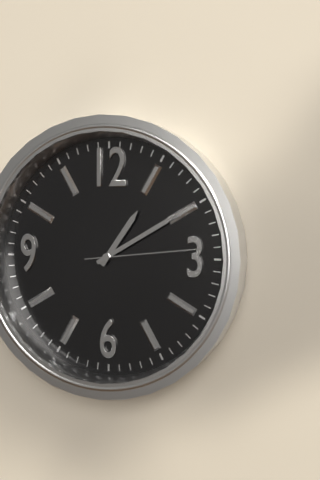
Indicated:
1 h 10 min 14 s
